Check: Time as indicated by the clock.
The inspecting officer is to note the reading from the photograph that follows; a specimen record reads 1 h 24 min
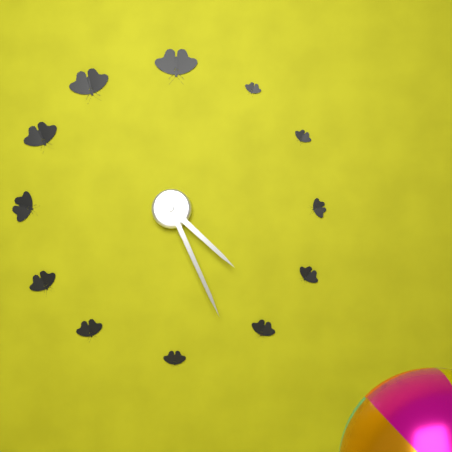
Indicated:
4 h 26 min
